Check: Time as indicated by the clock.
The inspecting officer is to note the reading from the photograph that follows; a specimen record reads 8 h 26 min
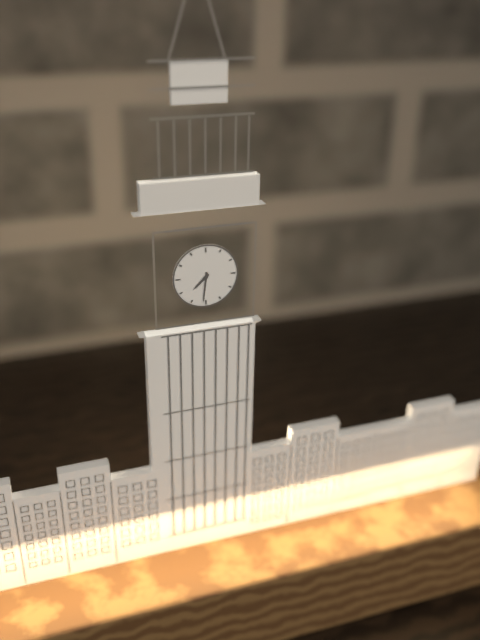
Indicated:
7 h 31 min
